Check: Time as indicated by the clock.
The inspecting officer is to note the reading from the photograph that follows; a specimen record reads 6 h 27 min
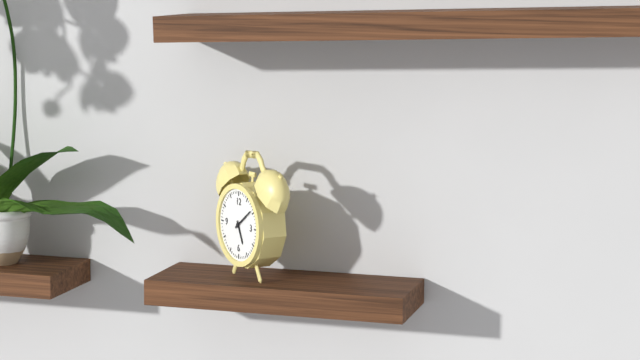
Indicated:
5 h 09 min
